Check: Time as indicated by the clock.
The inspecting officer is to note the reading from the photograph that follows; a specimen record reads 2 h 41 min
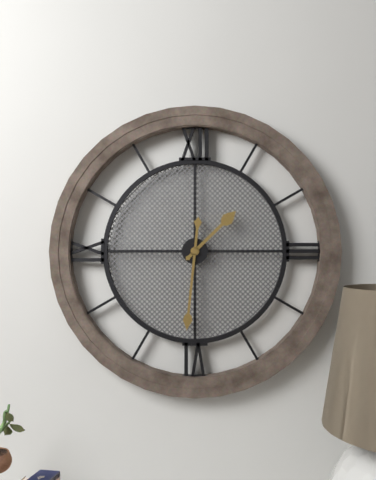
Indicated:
1 h 31 min
